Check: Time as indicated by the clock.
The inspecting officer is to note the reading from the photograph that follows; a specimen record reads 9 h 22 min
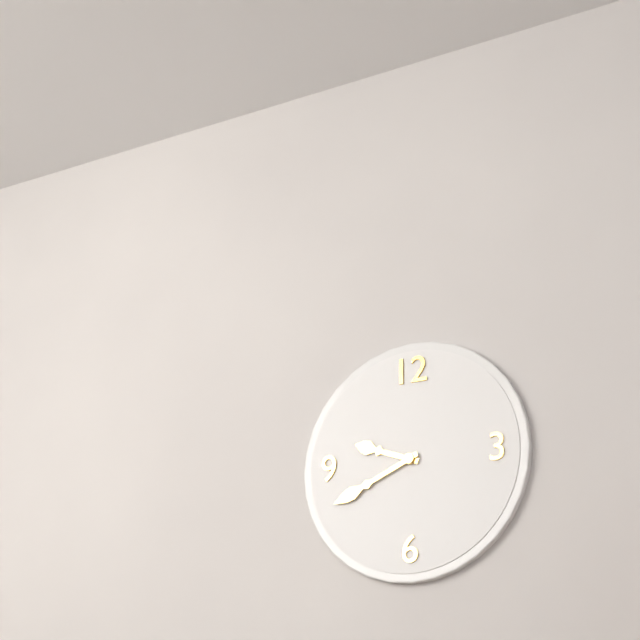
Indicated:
9 h 41 min
